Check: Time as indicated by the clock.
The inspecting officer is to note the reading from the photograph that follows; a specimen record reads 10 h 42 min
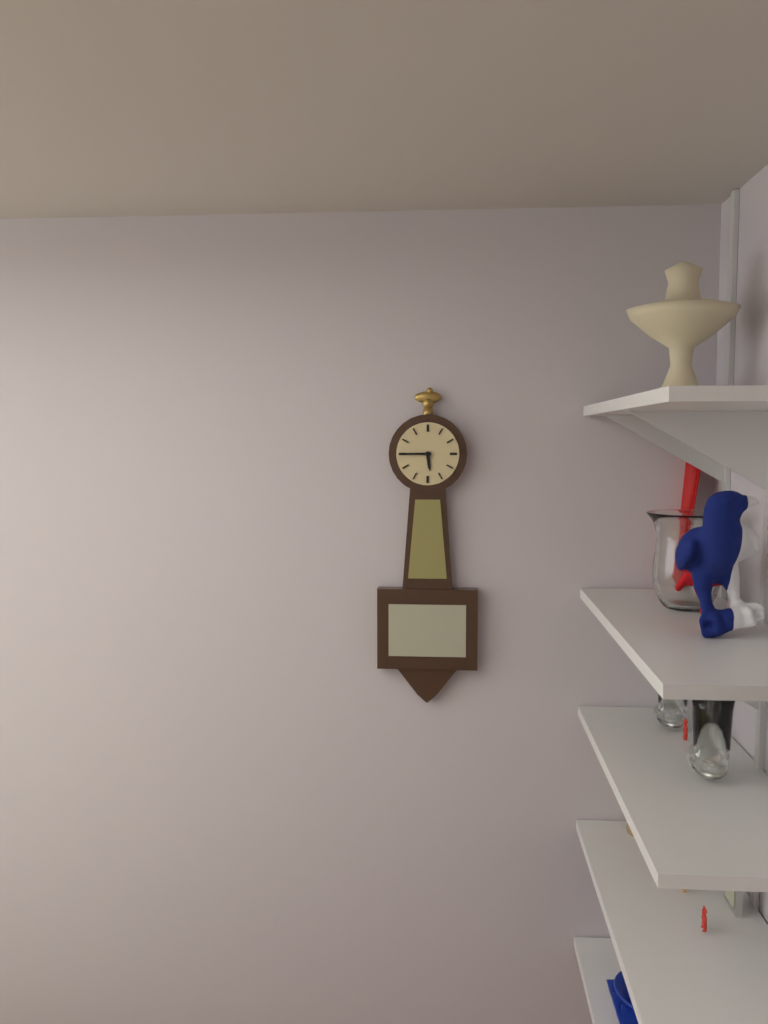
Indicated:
5 h 45 min
